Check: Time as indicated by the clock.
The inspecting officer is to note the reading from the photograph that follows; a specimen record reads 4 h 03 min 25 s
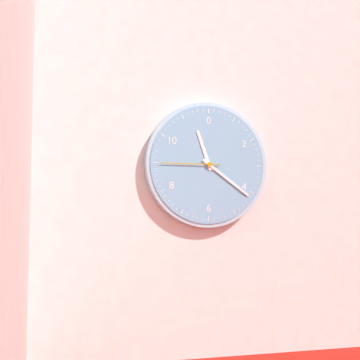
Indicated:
11 h 21 min 45 s
